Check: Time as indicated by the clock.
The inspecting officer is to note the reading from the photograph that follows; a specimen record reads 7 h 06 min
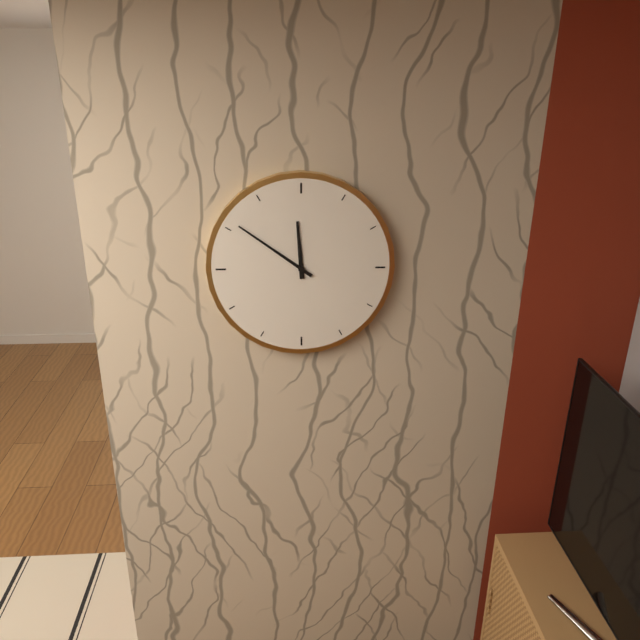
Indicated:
11 h 51 min
